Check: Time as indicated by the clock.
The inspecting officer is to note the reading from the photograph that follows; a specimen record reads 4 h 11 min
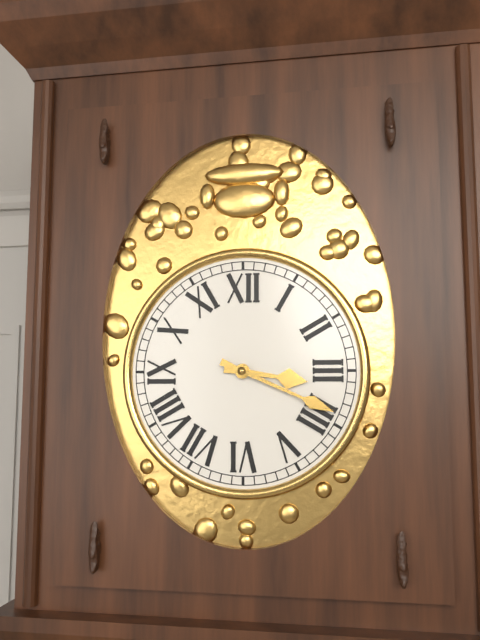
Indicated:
3 h 19 min
